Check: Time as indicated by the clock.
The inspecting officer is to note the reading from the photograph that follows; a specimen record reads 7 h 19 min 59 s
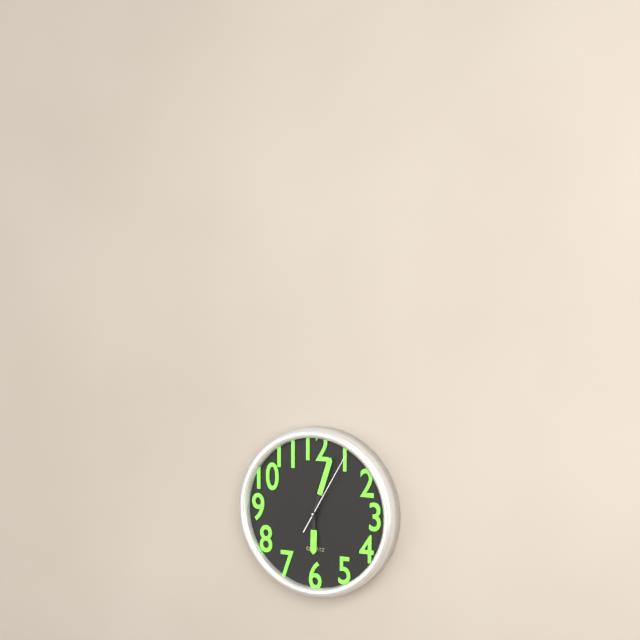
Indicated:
6 h 03 min 05 s
